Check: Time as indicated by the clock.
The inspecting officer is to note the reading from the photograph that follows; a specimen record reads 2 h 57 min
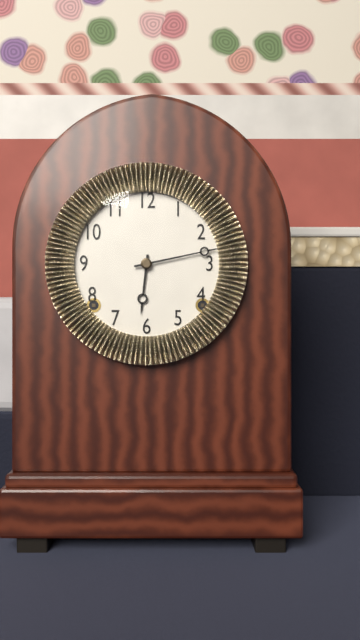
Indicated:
6 h 13 min
